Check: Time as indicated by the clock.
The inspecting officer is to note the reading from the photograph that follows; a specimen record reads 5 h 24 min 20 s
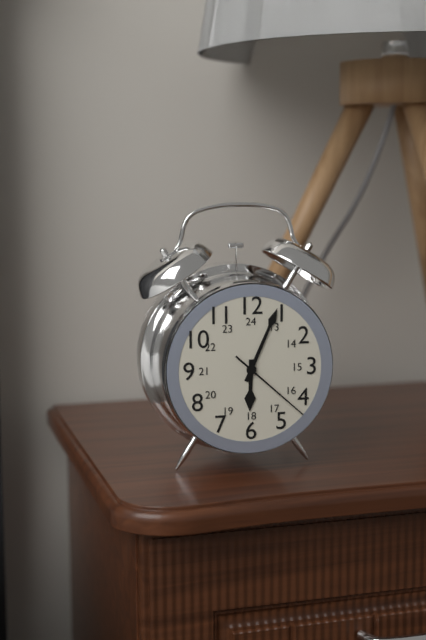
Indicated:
6 h 04 min 22 s
